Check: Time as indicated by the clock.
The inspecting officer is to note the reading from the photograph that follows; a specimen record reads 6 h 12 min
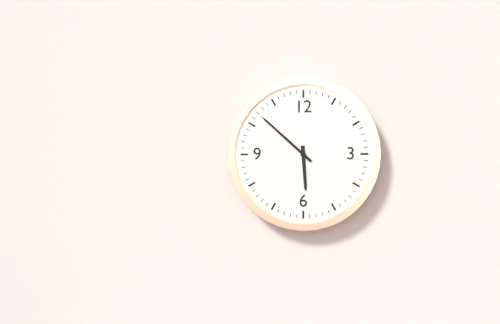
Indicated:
5 h 52 min
